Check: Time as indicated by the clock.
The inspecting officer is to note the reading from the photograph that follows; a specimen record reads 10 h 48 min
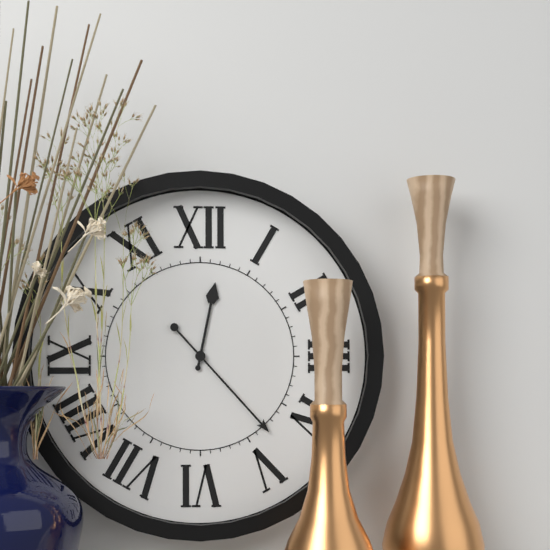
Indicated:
12 h 23 min
